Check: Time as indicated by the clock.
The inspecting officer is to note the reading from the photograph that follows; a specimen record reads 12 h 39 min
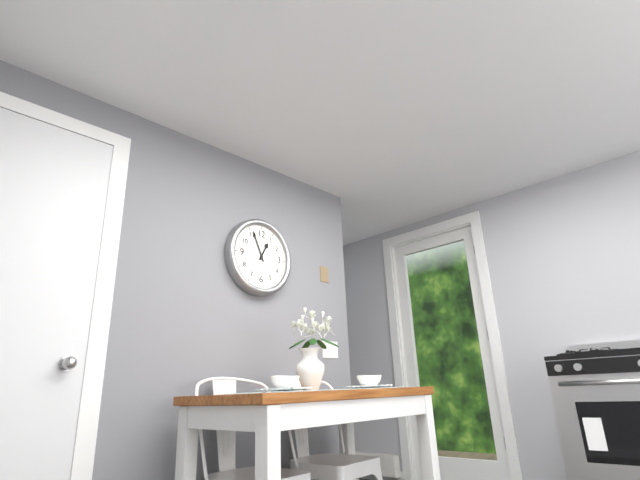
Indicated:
12 h 56 min
